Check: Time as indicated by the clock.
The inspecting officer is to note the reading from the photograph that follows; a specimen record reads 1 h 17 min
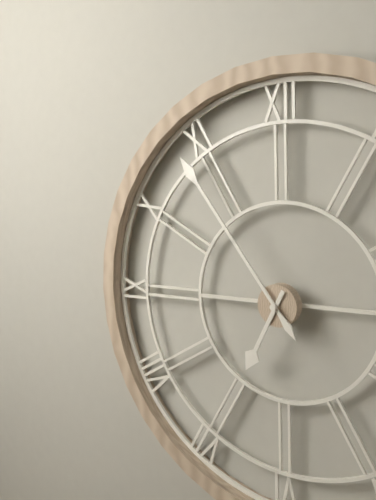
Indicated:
6 h 54 min
